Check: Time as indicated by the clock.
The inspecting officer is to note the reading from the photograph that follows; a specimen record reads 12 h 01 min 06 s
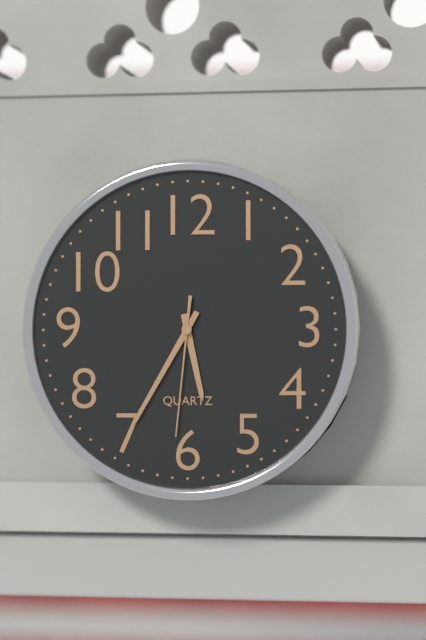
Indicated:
5 h 35 min 31 s
